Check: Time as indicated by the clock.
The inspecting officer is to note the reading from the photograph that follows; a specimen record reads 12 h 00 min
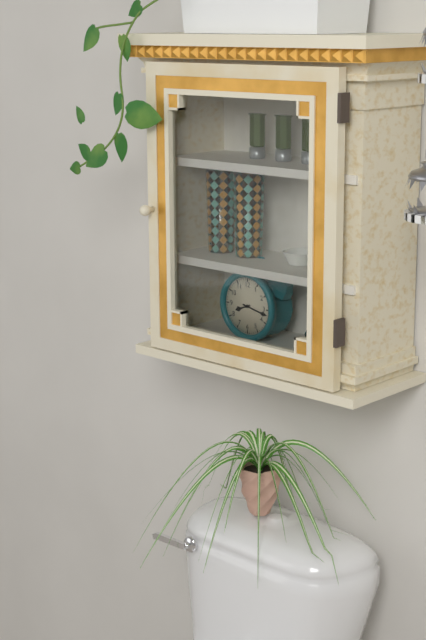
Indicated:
8 h 17 min
